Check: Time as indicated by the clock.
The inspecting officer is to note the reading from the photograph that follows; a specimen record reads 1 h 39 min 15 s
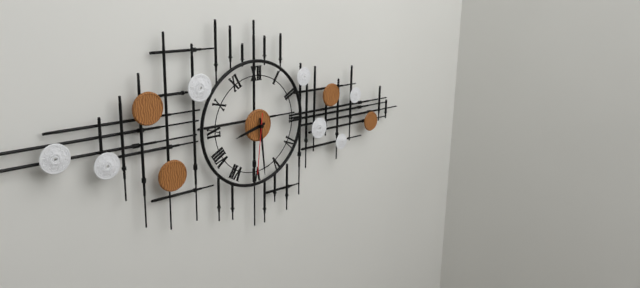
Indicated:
8 h 29 min 31 s
